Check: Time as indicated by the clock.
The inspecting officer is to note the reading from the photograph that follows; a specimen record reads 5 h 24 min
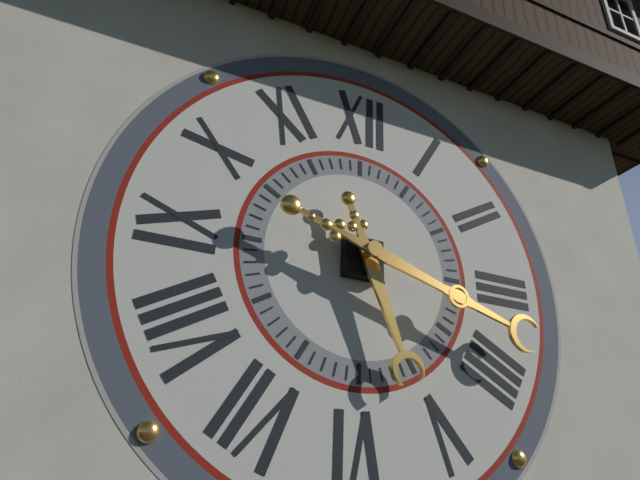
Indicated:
5 h 18 min
